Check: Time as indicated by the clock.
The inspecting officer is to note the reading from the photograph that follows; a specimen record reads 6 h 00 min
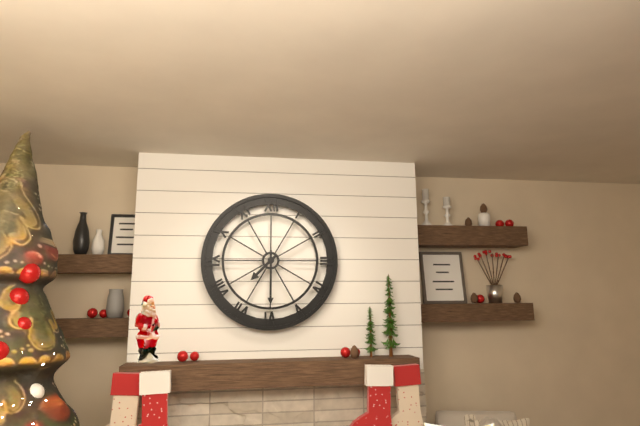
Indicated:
7 h 30 min
